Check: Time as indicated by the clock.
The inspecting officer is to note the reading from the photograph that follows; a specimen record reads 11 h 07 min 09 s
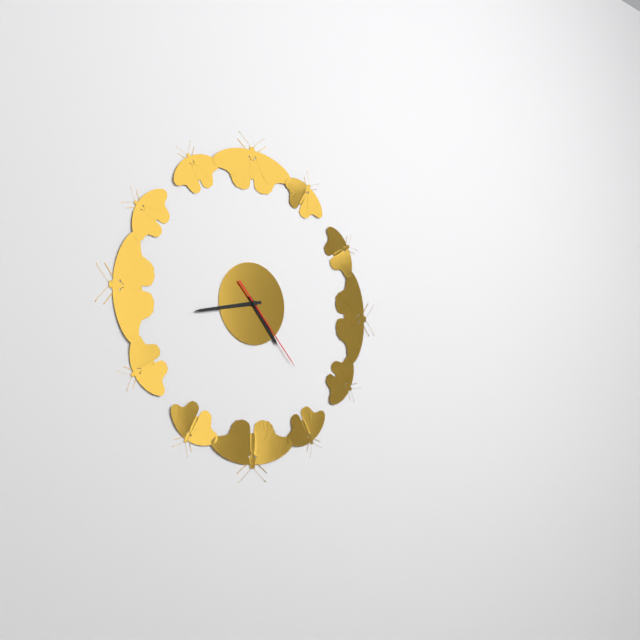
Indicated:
4 h 43 min 23 s
